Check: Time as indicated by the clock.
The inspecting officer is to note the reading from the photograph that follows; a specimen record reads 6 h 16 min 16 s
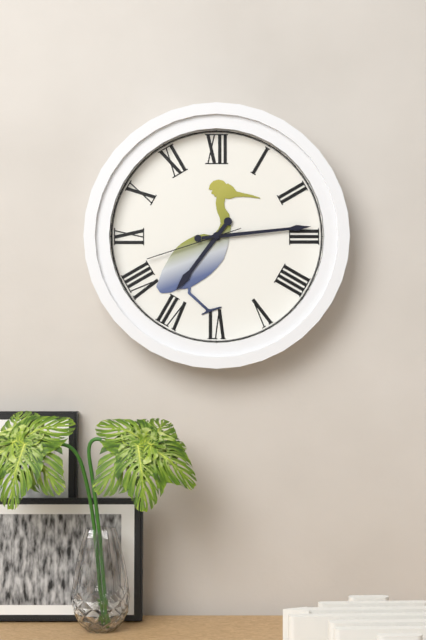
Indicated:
7 h 14 min 42 s
